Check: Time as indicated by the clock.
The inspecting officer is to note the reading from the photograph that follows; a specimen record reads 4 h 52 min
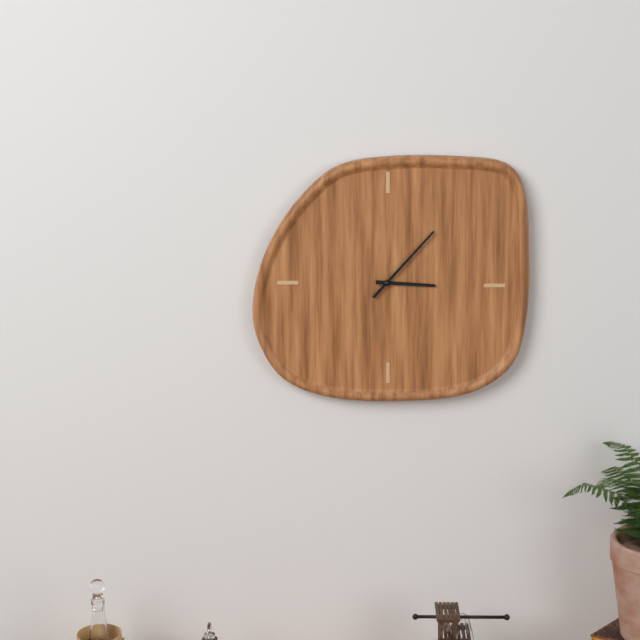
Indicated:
3 h 07 min
